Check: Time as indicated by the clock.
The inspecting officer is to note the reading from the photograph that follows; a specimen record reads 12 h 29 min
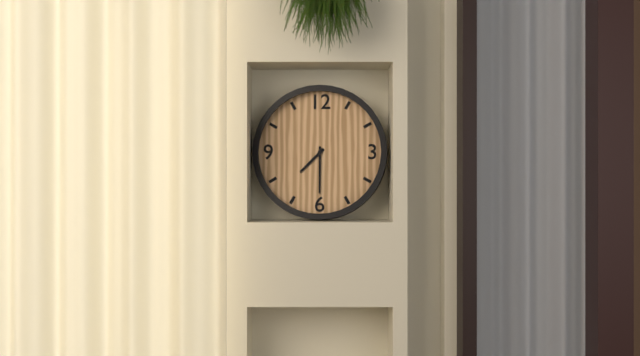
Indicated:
7 h 30 min
